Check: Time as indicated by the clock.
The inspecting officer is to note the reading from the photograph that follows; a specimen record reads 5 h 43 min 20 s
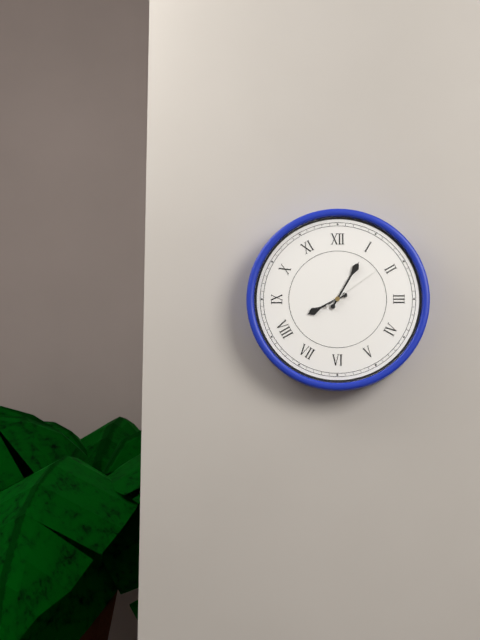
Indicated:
8 h 05 min 09 s
